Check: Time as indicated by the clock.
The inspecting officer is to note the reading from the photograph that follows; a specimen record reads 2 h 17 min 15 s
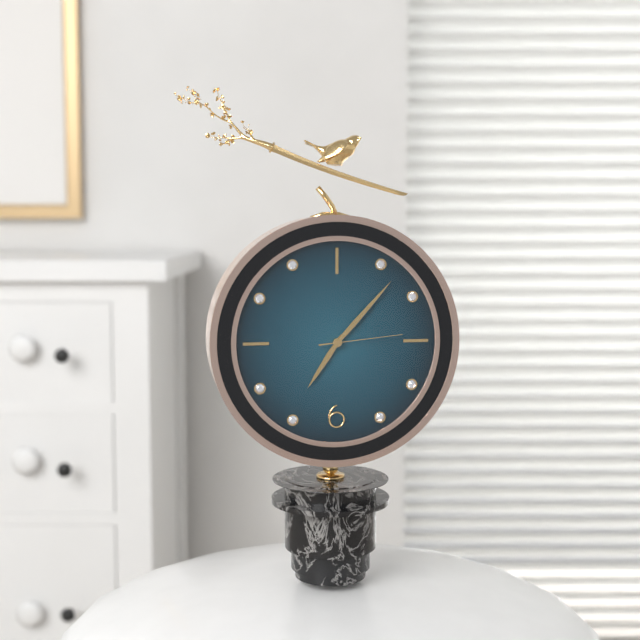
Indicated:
7 h 07 min 14 s
